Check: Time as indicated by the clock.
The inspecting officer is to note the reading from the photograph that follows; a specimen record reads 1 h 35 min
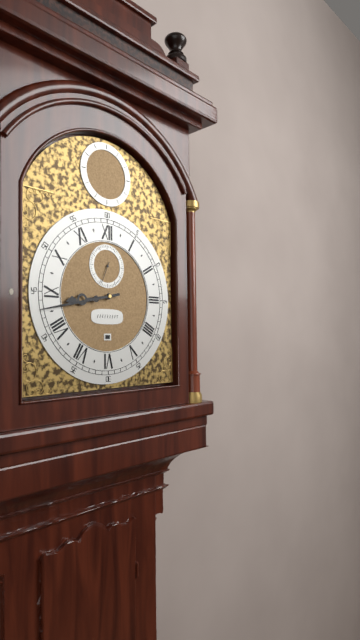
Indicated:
8 h 43 min
